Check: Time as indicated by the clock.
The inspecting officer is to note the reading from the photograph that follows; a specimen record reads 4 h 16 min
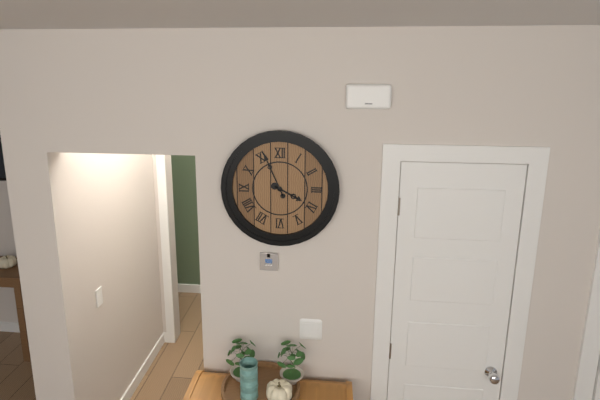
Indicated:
3 h 56 min
